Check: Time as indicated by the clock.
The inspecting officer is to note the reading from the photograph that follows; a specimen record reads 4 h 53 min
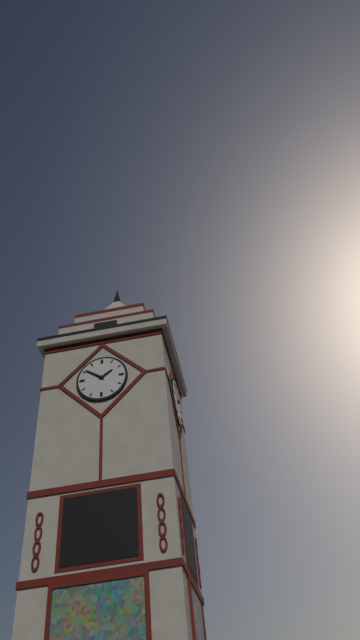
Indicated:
1 h 51 min
